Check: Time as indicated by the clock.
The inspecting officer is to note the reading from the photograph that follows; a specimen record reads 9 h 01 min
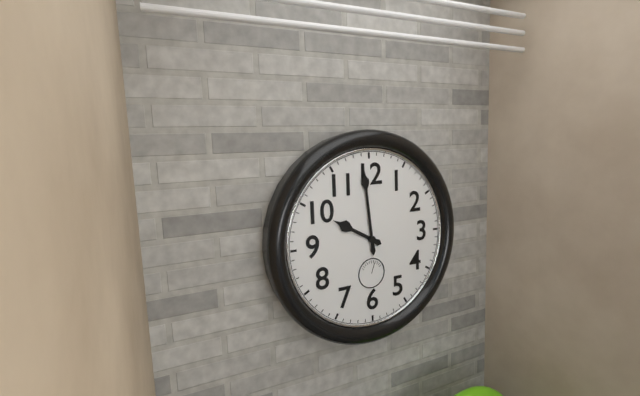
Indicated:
9 h 59 min
